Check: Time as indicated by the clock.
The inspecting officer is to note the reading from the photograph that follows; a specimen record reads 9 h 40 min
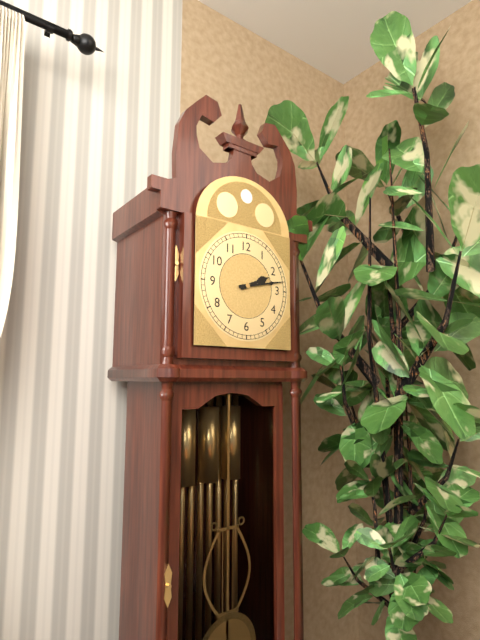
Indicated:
2 h 13 min
